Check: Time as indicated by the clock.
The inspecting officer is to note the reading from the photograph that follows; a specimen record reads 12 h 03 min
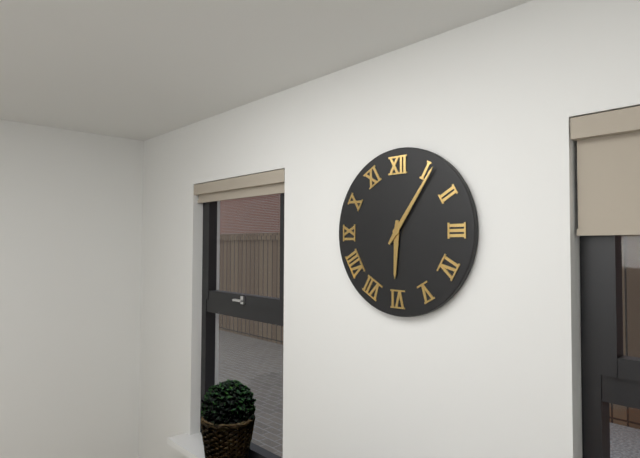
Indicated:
6 h 06 min
